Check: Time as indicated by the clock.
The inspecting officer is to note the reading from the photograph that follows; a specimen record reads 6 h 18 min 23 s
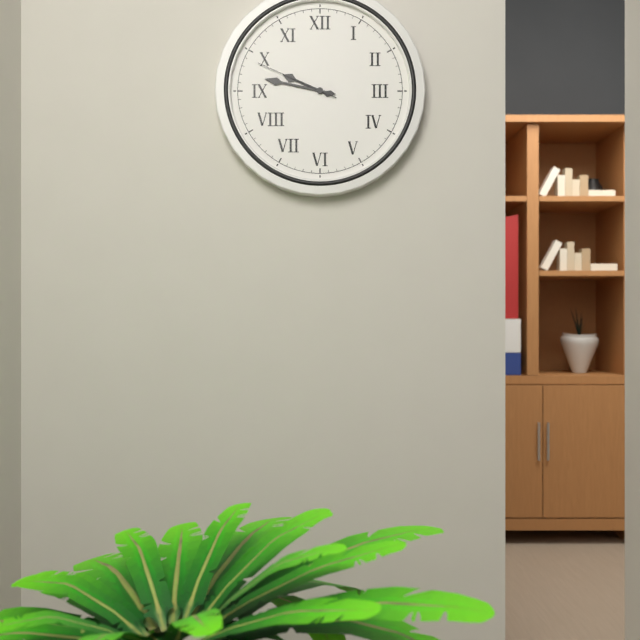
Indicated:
9 h 47 min 49 s
